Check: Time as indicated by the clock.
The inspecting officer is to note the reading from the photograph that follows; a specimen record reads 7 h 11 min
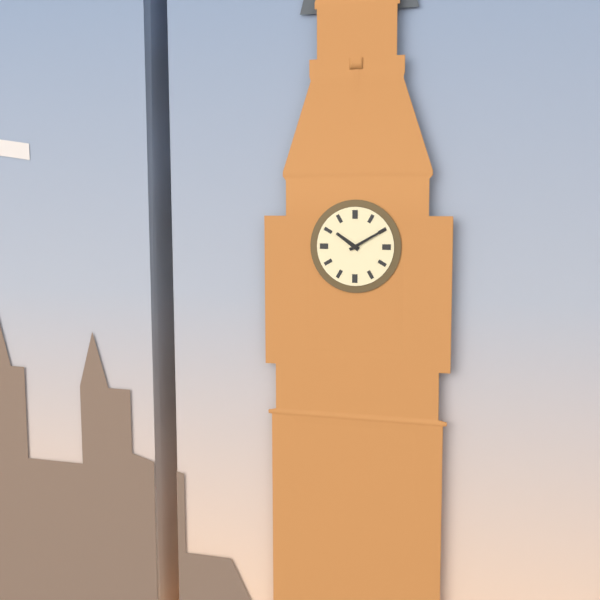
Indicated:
10 h 10 min
